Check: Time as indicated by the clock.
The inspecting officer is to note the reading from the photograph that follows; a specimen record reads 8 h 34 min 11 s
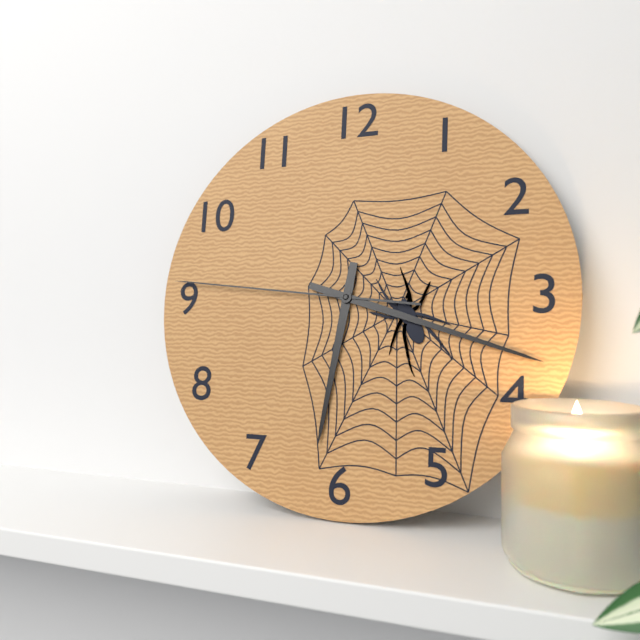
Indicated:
6 h 18 min 46 s
